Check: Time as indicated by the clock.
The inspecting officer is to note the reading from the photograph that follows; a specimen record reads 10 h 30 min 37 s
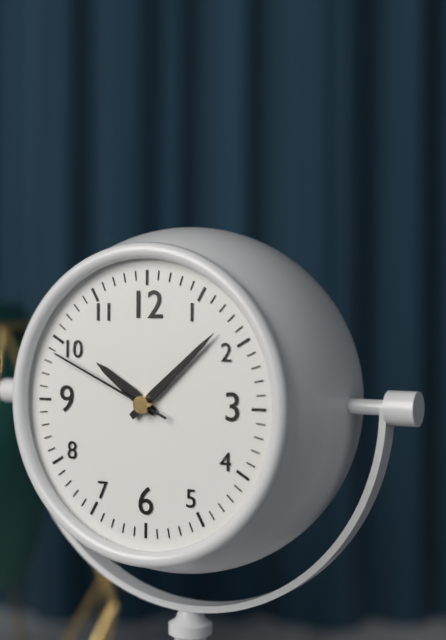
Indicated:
10 h 08 min 49 s
